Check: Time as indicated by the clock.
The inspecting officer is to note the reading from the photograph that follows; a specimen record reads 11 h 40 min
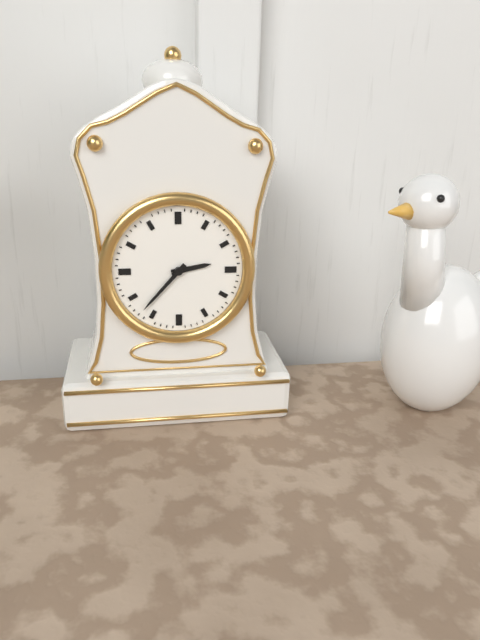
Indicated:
2 h 37 min
